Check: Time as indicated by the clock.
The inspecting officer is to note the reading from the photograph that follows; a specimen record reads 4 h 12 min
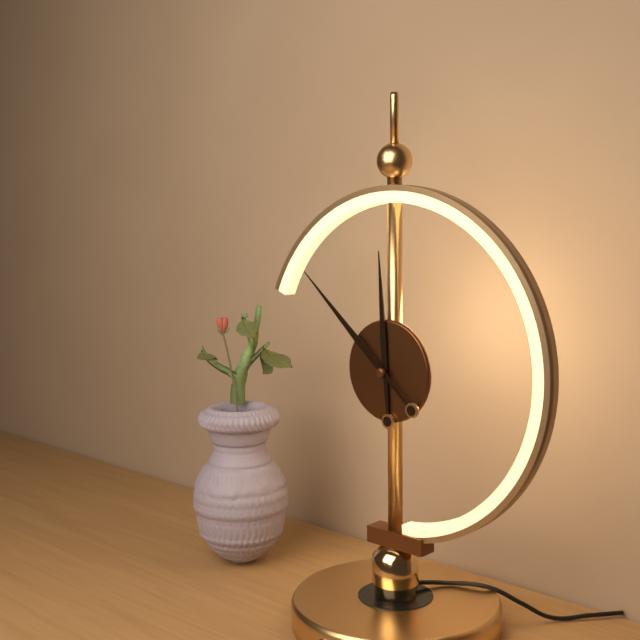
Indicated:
11 h 52 min
